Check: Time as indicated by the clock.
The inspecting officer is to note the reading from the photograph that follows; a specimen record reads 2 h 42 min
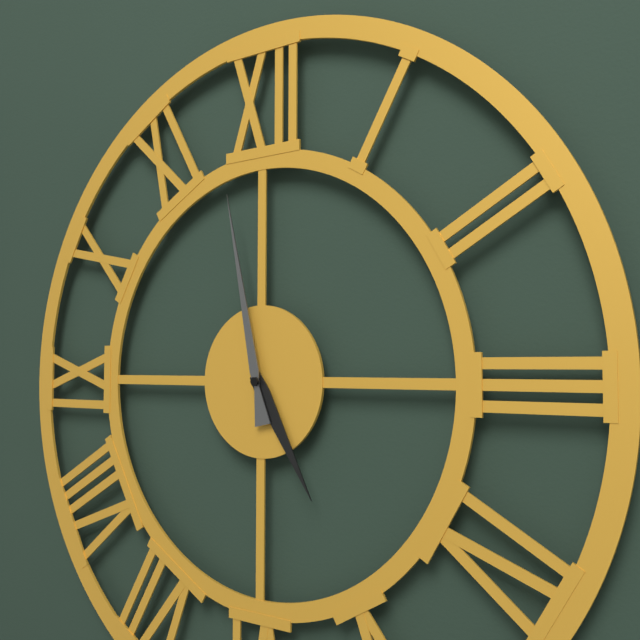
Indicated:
4 h 58 min
